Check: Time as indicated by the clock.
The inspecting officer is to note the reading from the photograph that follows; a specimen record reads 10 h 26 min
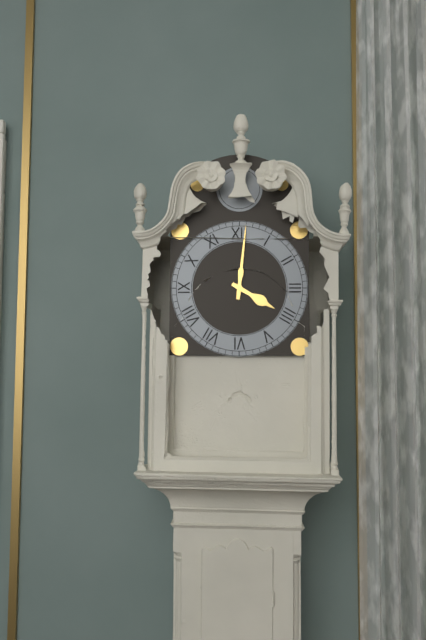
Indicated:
4 h 01 min
